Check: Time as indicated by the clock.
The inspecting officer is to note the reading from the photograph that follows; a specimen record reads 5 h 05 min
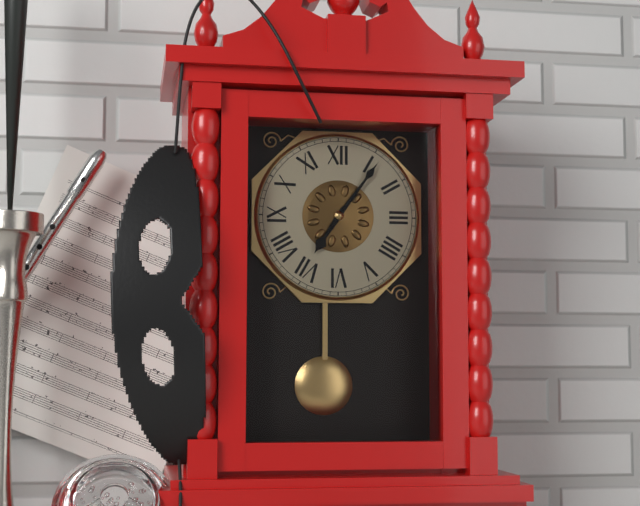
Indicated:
7 h 06 min
